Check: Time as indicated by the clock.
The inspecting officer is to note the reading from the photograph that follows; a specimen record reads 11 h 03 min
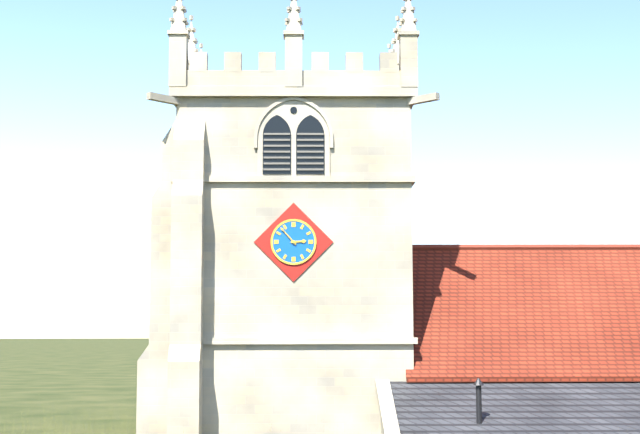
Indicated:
2 h 53 min
